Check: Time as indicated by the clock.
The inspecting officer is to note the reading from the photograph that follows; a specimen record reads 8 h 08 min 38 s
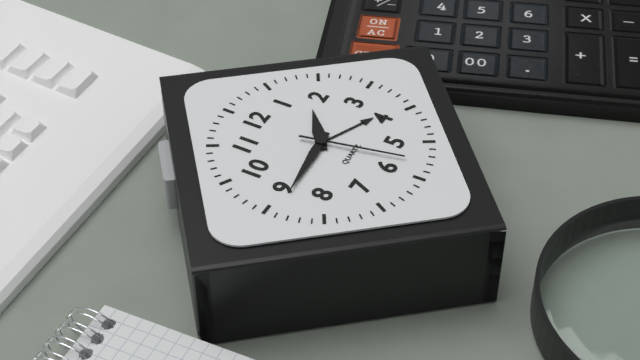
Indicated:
1 h 44 min 28 s
